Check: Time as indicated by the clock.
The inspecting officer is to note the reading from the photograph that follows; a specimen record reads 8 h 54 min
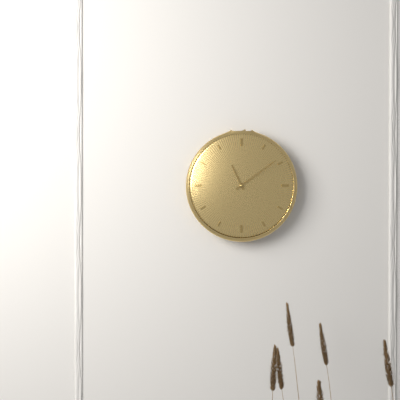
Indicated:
11 h 09 min
